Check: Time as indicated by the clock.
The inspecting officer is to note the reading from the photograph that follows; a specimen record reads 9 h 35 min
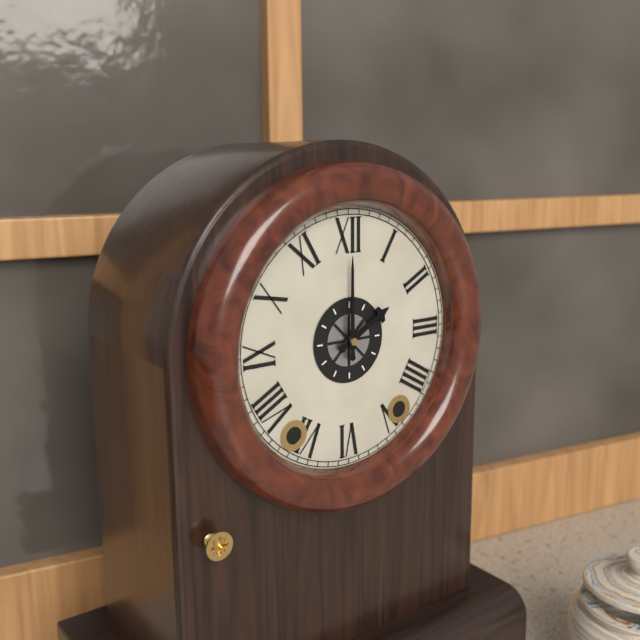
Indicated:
2 h 00 min
